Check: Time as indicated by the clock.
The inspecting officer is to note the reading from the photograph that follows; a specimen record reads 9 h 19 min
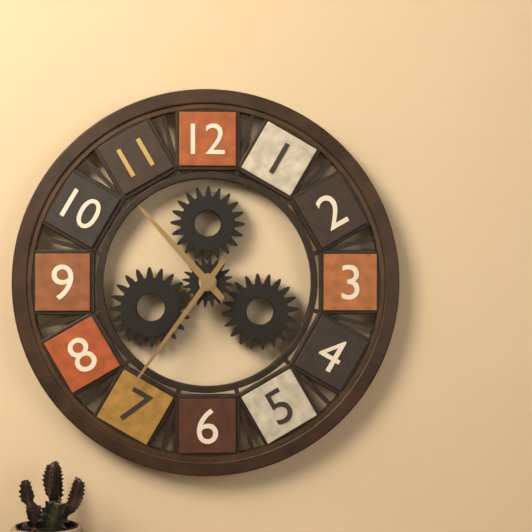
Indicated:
10 h 36 min
